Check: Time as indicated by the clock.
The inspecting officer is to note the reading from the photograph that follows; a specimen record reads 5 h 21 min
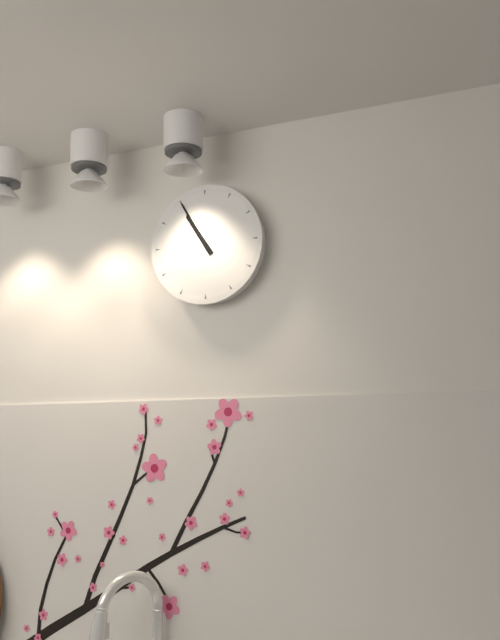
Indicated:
10 h 55 min
